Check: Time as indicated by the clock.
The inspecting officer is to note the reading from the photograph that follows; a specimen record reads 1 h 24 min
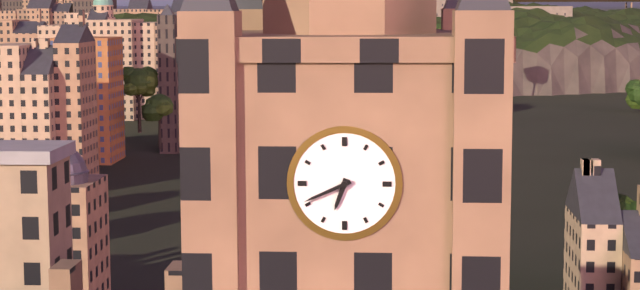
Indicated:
6 h 41 min
